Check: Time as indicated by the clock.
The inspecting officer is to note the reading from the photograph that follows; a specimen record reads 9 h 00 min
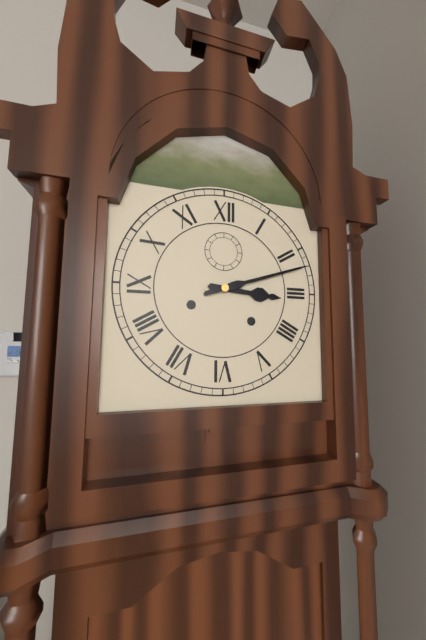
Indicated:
3 h 12 min
